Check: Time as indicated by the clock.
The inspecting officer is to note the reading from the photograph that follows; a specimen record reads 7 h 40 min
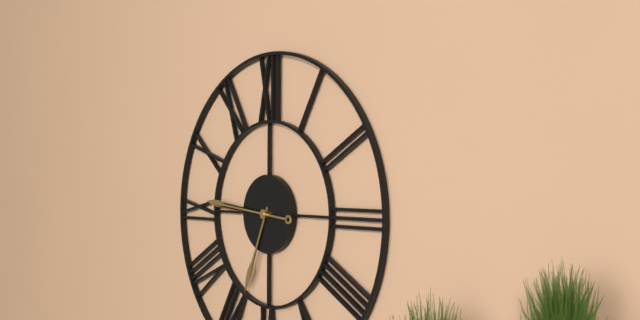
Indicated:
6 h 46 min
